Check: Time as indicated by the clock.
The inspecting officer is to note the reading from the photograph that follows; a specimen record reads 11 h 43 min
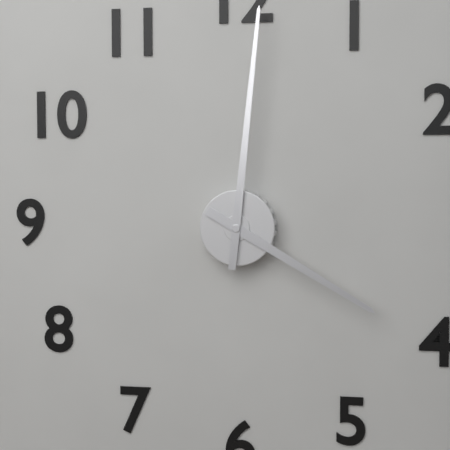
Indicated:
4 h 01 min
